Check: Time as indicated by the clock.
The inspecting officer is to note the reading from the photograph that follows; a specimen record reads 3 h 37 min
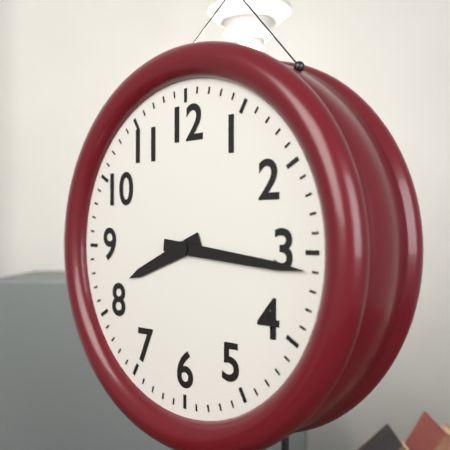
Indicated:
8 h 16 min
